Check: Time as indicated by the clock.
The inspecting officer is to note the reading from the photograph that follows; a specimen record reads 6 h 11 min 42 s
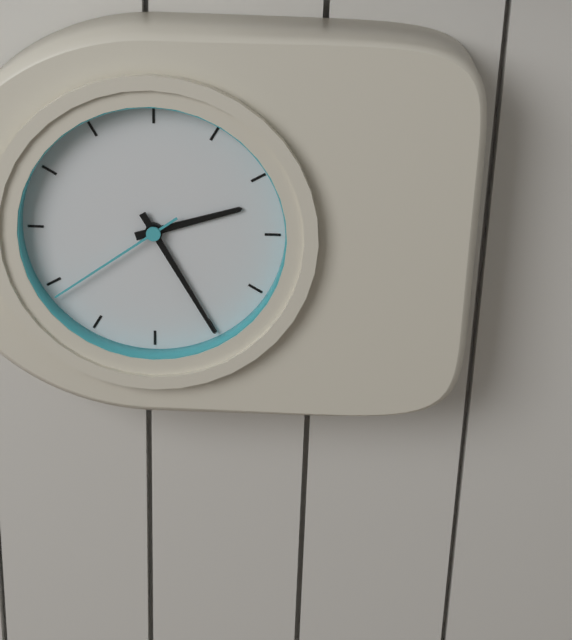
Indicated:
2 h 25 min 39 s
